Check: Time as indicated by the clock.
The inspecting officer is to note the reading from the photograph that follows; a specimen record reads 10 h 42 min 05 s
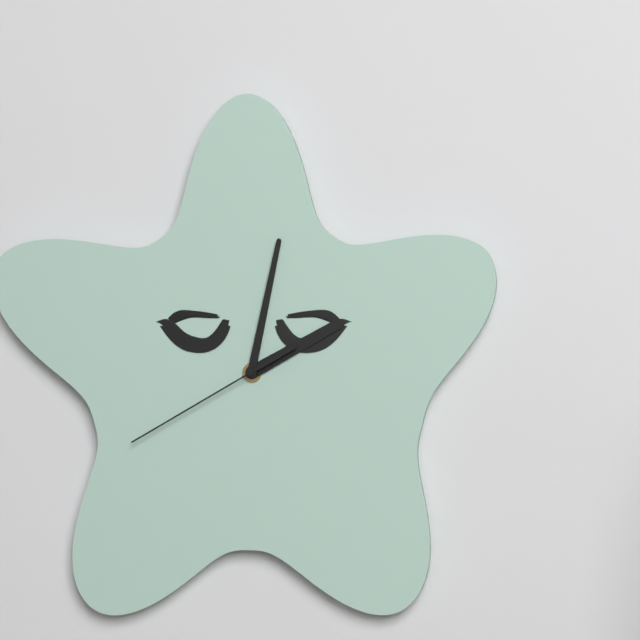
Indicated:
2 h 02 min 40 s
